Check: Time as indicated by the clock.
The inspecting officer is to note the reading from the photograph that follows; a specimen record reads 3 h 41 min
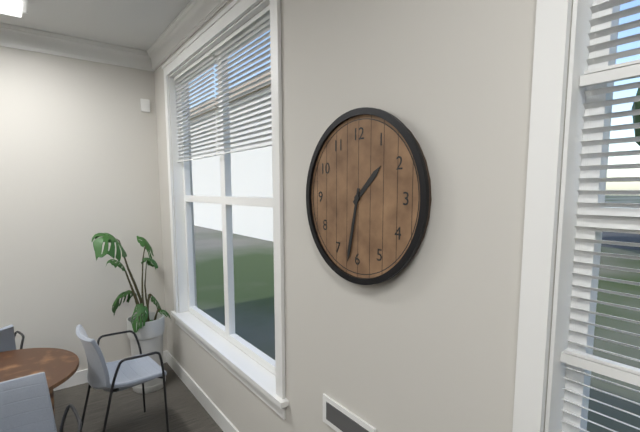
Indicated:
1 h 32 min
